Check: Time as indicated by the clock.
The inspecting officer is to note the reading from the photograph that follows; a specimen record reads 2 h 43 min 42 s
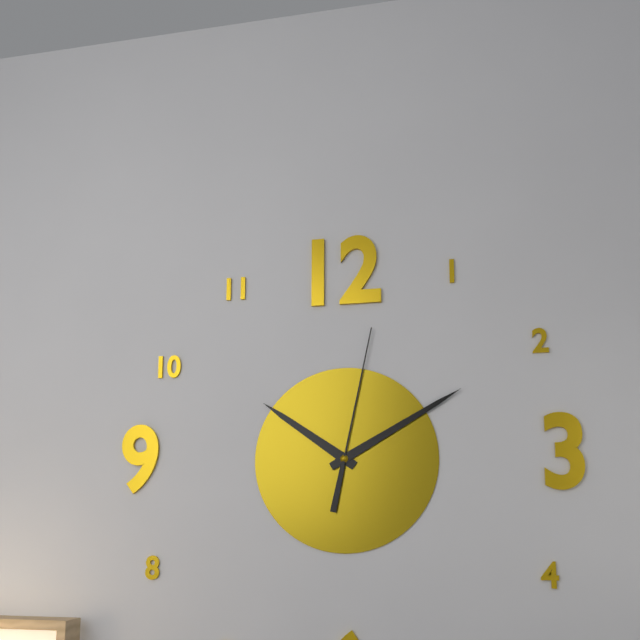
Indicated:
10 h 10 min 02 s
